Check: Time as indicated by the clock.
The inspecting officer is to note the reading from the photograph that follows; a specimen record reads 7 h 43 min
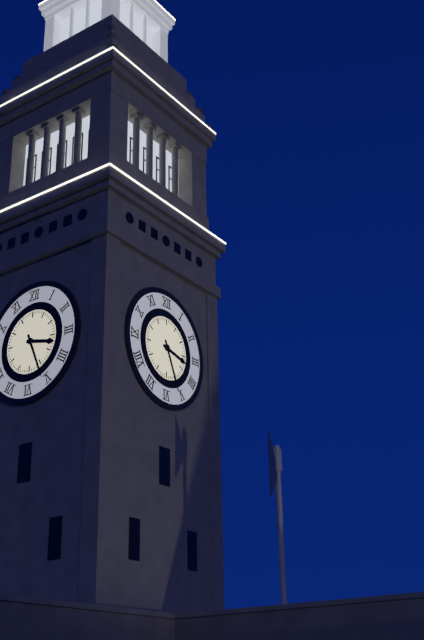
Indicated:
3 h 26 min
